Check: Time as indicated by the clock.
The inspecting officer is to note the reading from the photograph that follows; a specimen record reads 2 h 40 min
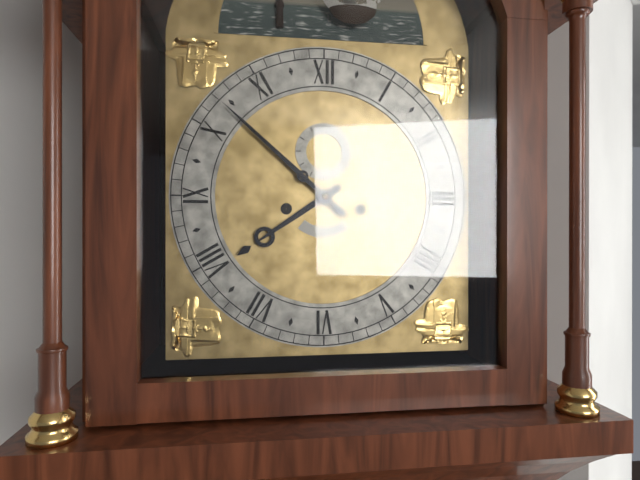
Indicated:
7 h 52 min
